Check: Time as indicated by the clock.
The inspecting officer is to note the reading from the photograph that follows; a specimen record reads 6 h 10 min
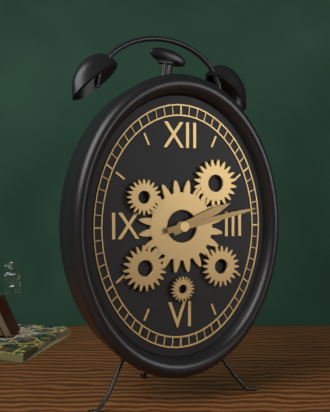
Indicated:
2 h 13 min
